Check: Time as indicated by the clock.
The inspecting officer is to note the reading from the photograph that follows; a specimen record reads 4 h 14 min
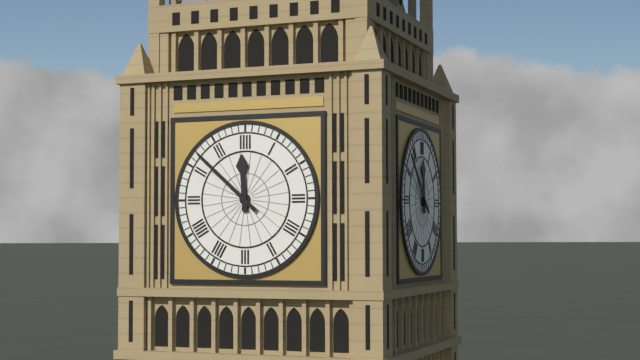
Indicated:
11 h 52 min
